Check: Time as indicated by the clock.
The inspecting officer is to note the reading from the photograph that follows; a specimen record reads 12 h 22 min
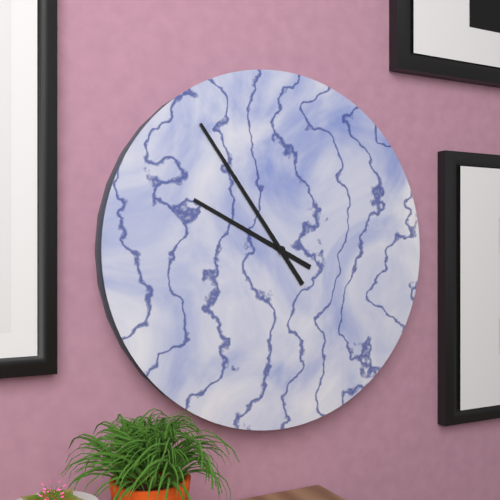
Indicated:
9 h 54 min
